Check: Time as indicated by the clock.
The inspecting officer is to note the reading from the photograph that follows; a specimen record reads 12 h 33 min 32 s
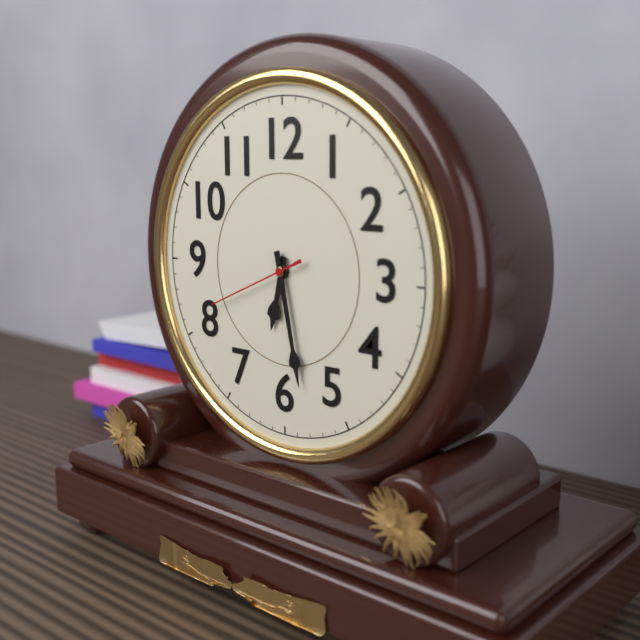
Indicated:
6 h 28 min 41 s
